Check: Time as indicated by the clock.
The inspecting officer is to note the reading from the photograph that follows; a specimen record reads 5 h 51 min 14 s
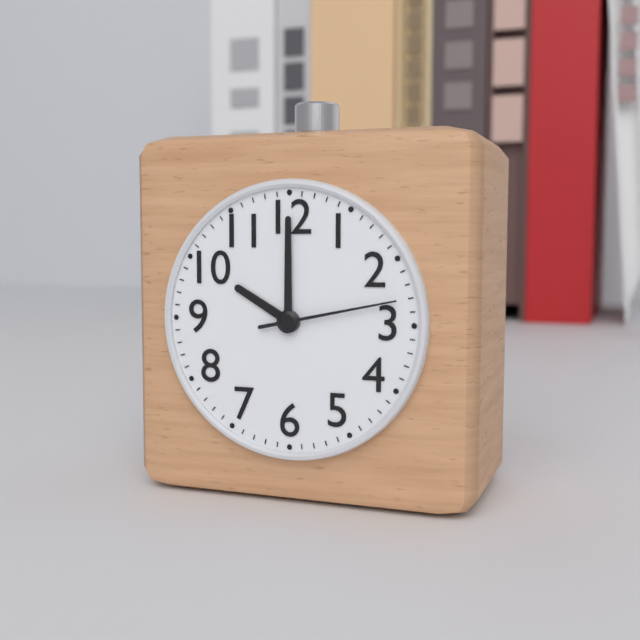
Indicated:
10 h 00 min 13 s
